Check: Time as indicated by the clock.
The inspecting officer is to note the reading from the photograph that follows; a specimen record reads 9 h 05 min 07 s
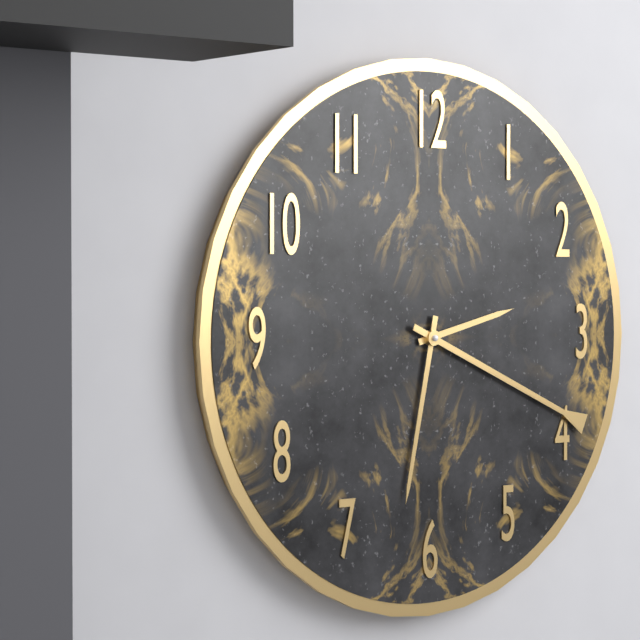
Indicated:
2 h 32 min 19 s
